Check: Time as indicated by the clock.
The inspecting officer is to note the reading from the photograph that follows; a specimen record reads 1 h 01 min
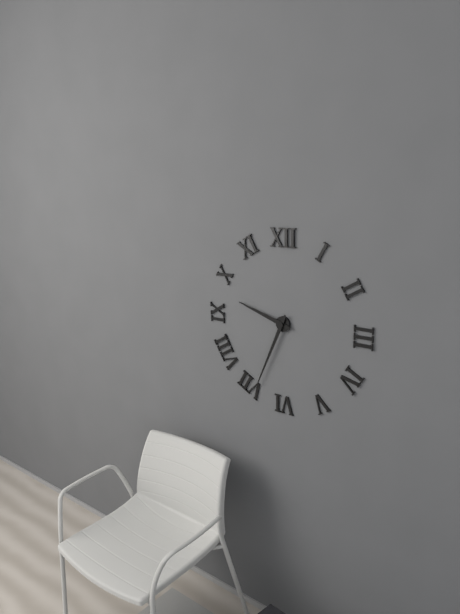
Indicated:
9 h 34 min
